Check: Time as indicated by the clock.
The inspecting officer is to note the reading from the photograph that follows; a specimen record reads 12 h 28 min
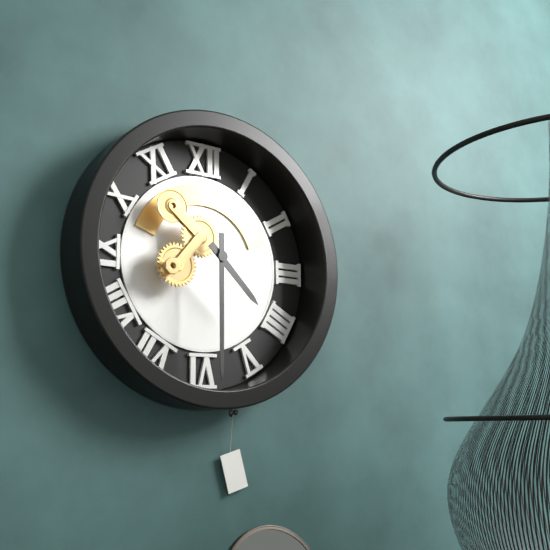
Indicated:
4 h 30 min
